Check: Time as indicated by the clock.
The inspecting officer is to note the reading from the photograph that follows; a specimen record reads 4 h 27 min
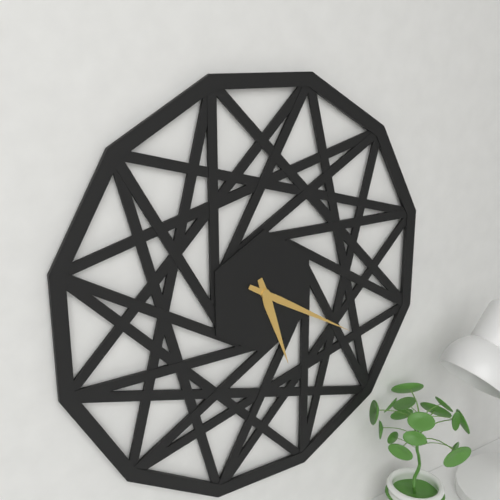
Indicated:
5 h 20 min
